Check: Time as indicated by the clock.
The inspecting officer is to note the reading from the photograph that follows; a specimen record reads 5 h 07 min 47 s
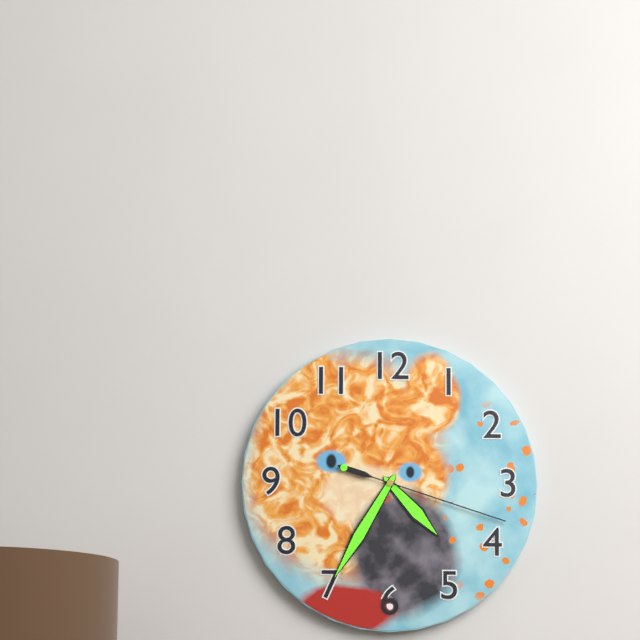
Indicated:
4 h 35 min 18 s
